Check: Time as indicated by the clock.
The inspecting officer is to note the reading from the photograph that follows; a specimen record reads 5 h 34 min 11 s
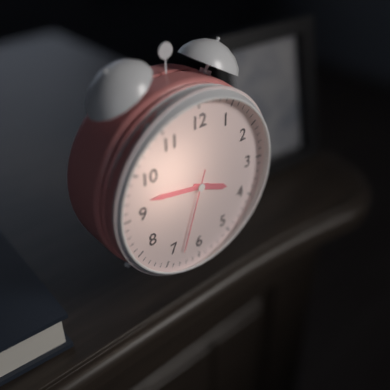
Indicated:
3 h 47 min 33 s
